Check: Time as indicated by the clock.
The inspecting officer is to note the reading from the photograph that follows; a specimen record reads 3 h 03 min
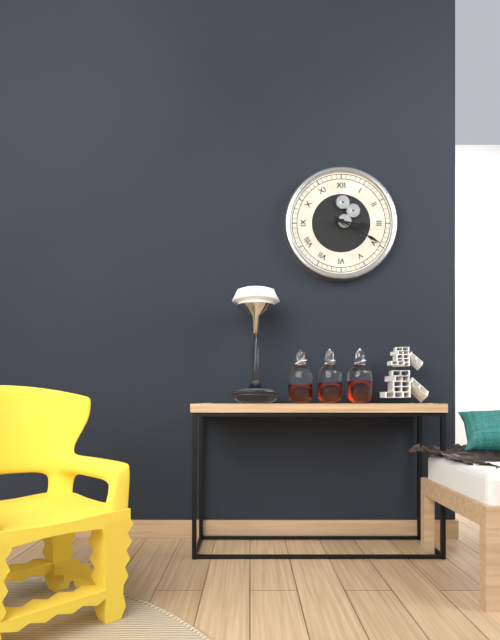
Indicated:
3 h 20 min
